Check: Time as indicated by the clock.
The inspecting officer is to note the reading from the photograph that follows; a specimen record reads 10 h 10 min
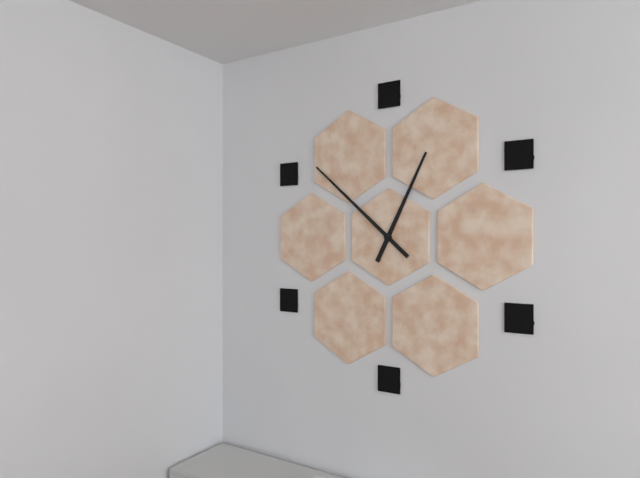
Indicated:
12 h 52 min
